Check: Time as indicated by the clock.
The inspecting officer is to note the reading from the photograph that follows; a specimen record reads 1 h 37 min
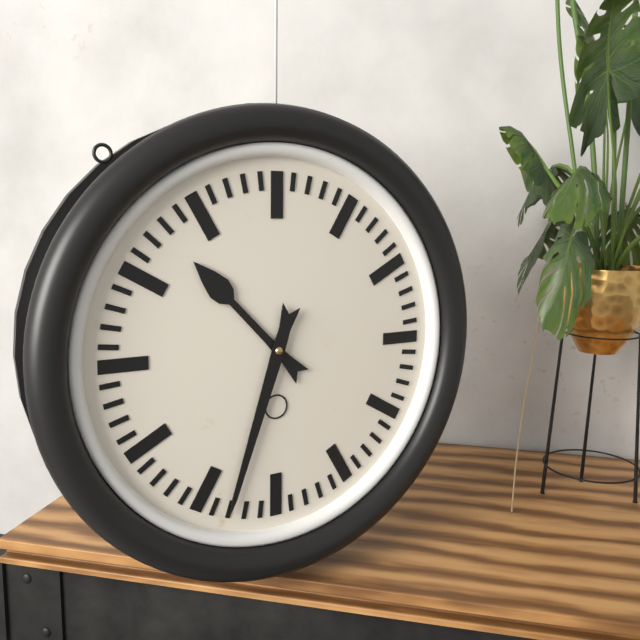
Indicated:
10 h 33 min
